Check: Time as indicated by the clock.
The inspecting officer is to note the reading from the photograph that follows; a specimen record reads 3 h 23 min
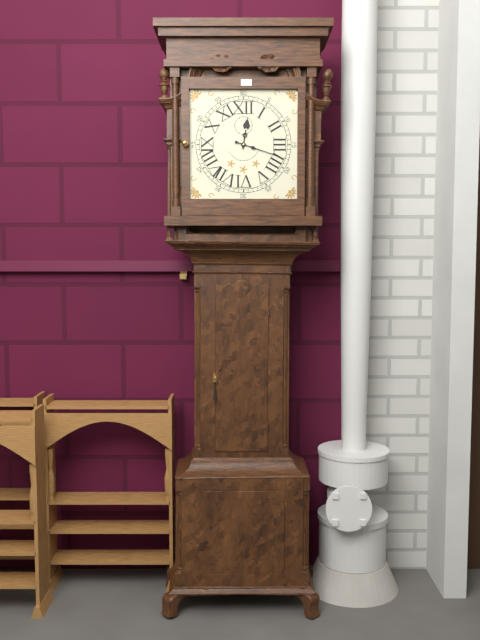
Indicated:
12 h 18 min
